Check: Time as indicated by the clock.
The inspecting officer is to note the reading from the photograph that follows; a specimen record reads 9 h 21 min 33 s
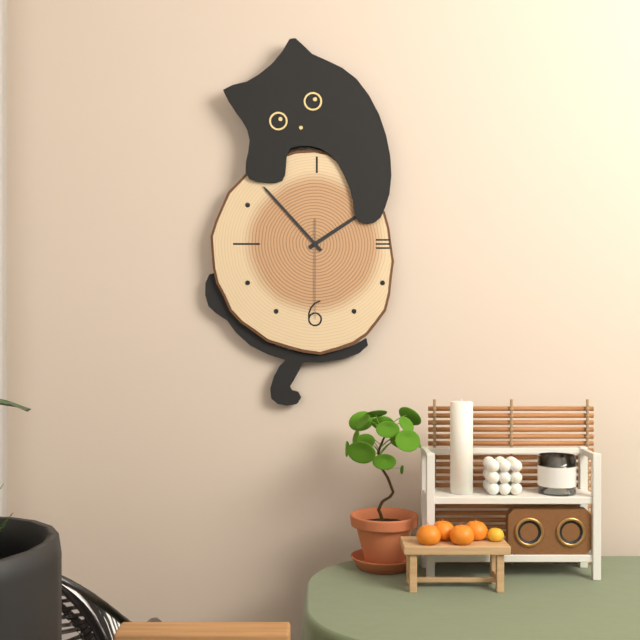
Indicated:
1 h 53 min 30 s
